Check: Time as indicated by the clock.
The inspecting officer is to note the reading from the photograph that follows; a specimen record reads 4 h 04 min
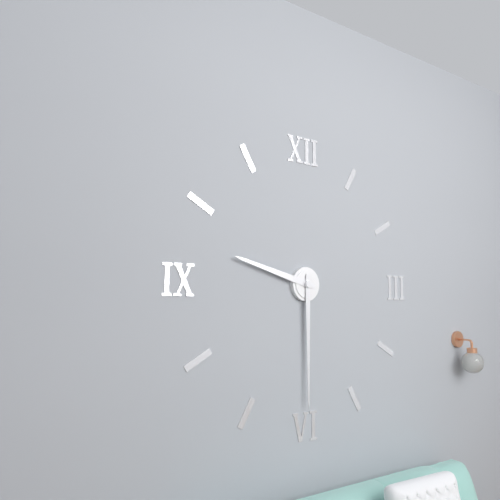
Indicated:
9 h 30 min
